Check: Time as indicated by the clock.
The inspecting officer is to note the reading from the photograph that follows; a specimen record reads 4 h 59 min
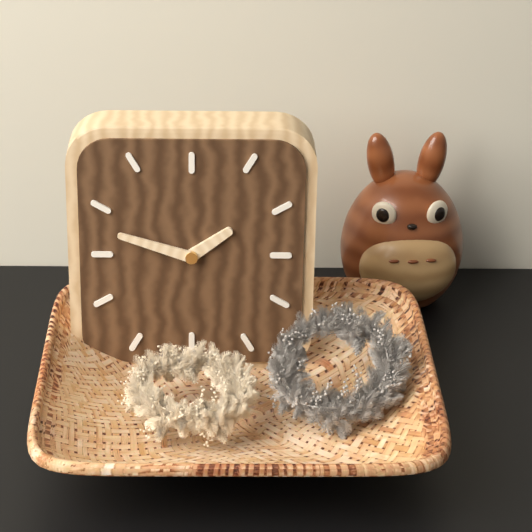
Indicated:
1 h 48 min
